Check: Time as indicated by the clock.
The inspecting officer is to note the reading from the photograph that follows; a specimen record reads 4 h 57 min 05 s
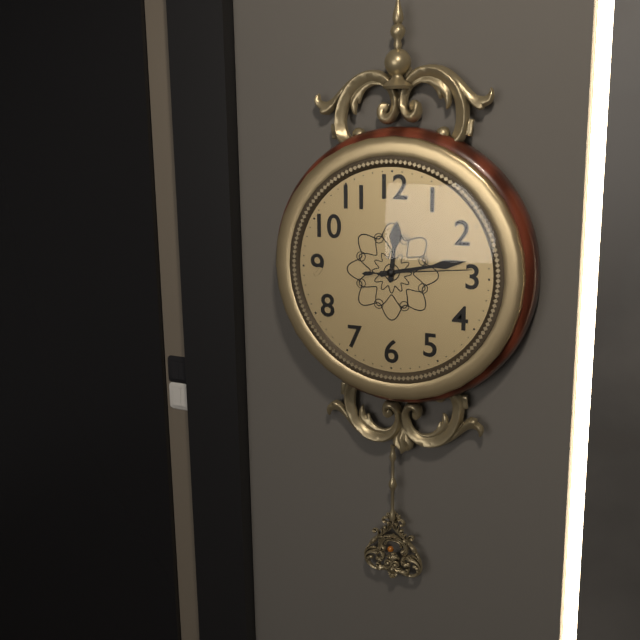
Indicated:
12 h 13 min 14 s
